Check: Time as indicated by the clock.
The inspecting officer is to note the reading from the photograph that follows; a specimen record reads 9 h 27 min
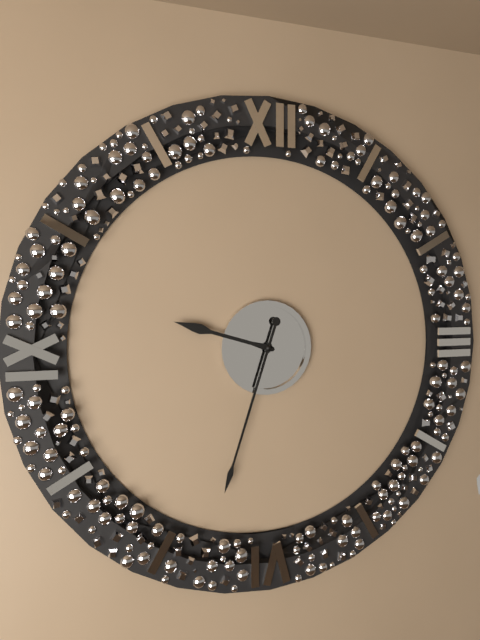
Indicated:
9 h 33 min
